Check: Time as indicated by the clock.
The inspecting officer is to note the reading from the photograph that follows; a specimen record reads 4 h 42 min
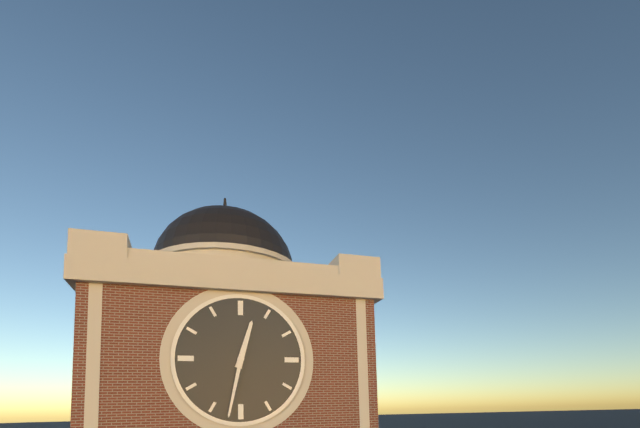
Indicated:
12 h 32 min
